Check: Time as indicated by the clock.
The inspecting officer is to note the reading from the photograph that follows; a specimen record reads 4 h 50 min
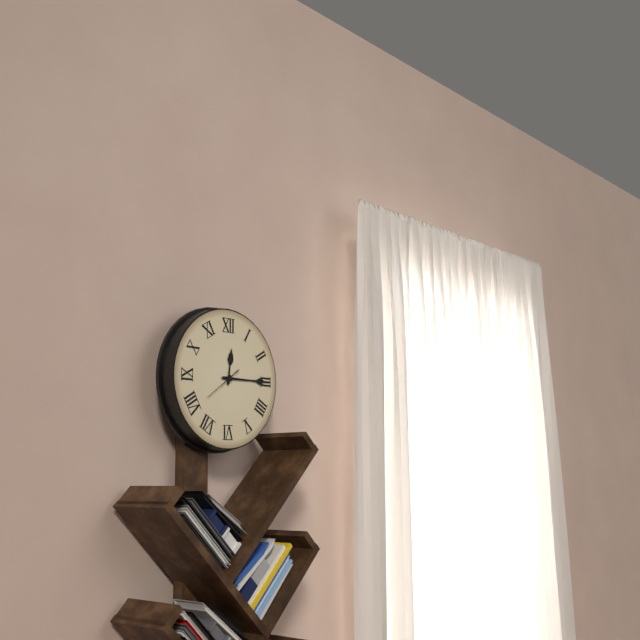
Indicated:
12 h 15 min
